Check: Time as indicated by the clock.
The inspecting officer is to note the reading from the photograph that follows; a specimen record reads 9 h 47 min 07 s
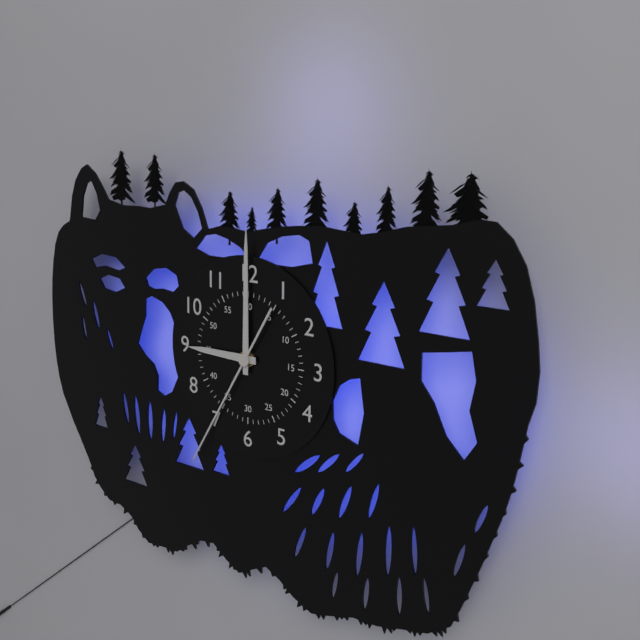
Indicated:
9 h 00 min 35 s
